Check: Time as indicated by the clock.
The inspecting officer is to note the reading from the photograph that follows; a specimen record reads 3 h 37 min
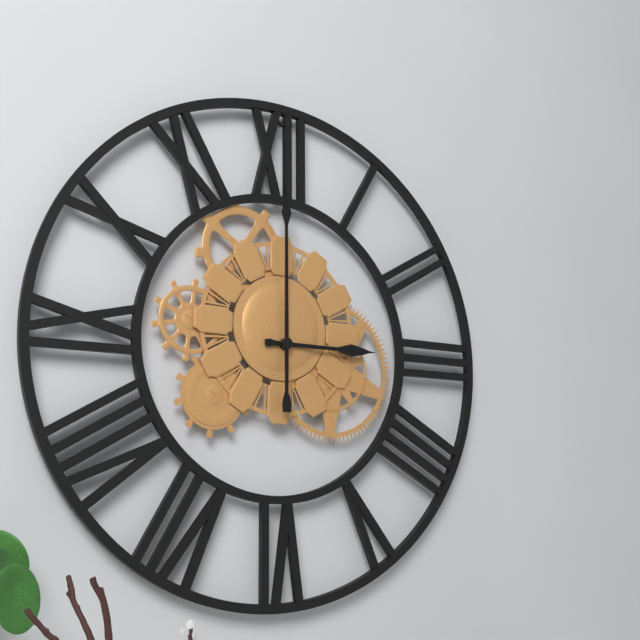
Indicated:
3 h 00 min
